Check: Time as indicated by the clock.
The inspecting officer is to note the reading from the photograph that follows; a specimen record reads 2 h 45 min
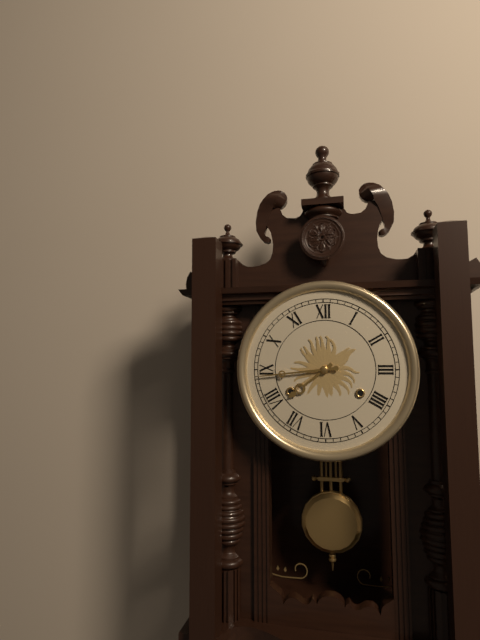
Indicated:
7 h 44 min
